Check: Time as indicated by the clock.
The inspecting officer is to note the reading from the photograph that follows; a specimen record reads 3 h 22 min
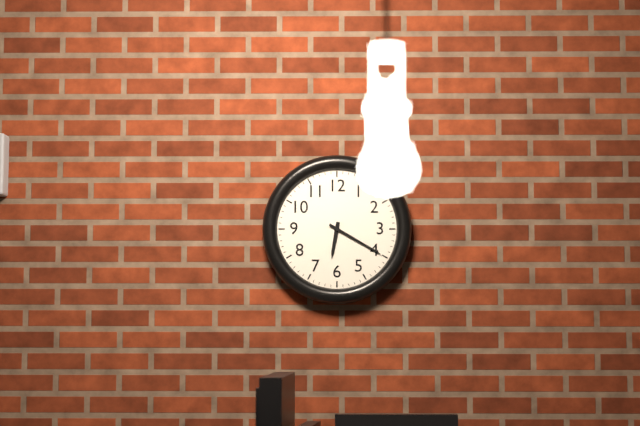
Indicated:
6 h 20 min
